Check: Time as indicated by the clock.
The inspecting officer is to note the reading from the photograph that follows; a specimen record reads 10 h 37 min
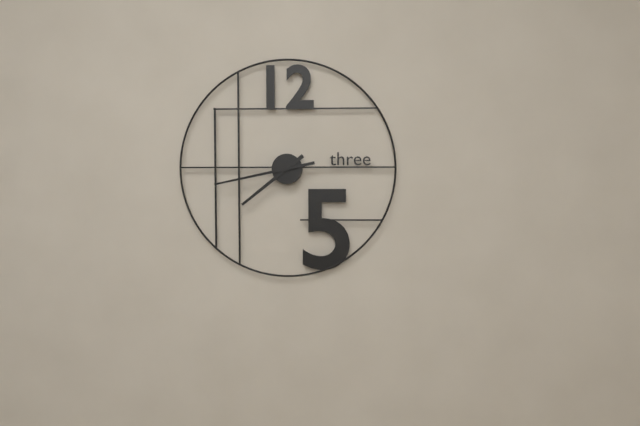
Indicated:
7 h 43 min
